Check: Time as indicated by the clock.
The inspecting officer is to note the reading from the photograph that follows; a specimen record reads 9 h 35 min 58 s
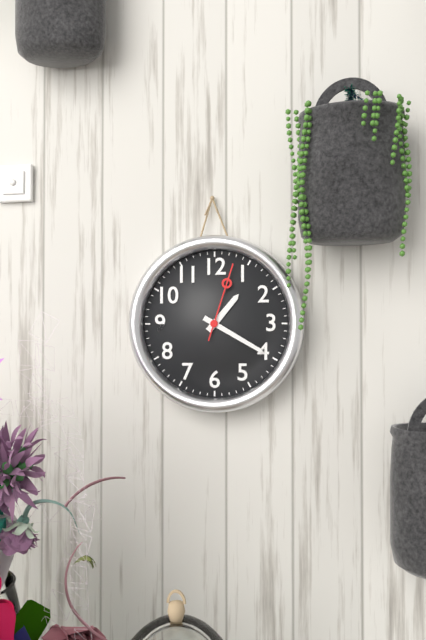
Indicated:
1 h 20 min 03 s
